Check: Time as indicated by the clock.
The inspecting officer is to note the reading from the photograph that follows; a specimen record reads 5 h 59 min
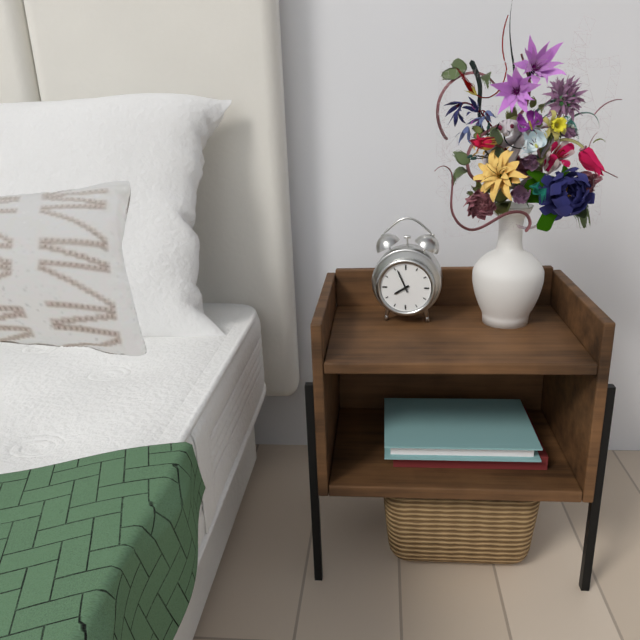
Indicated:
7 h 56 min
